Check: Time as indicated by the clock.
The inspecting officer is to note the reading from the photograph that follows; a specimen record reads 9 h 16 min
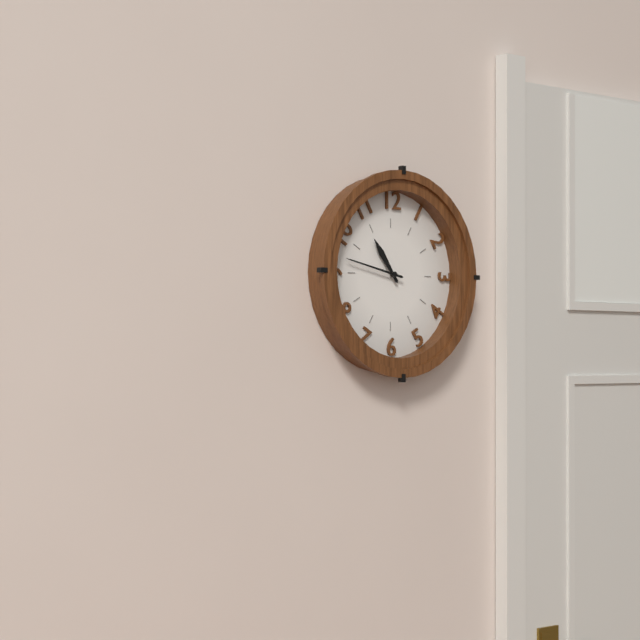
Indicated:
10 h 47 min
